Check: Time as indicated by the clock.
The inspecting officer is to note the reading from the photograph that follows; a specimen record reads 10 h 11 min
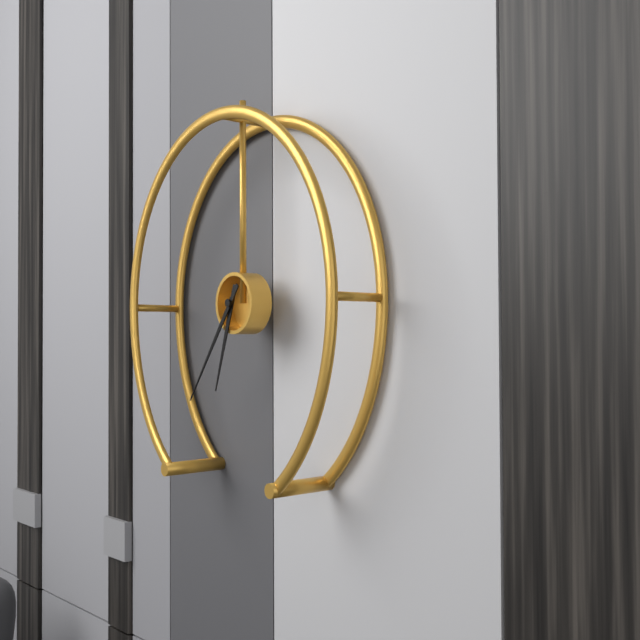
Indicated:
6 h 36 min
